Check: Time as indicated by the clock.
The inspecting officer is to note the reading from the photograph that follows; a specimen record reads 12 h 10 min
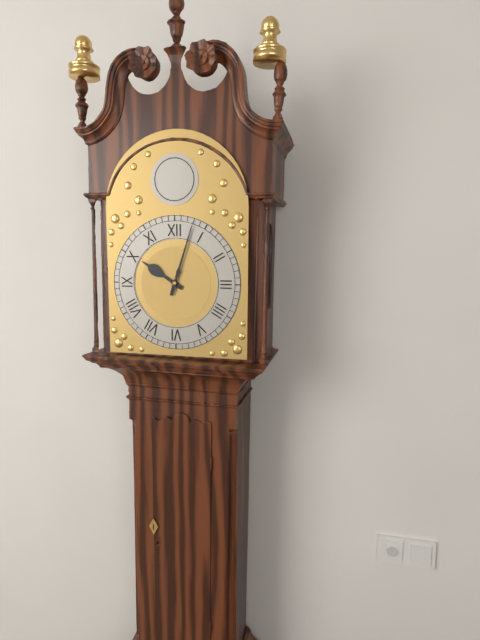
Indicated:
10 h 03 min
